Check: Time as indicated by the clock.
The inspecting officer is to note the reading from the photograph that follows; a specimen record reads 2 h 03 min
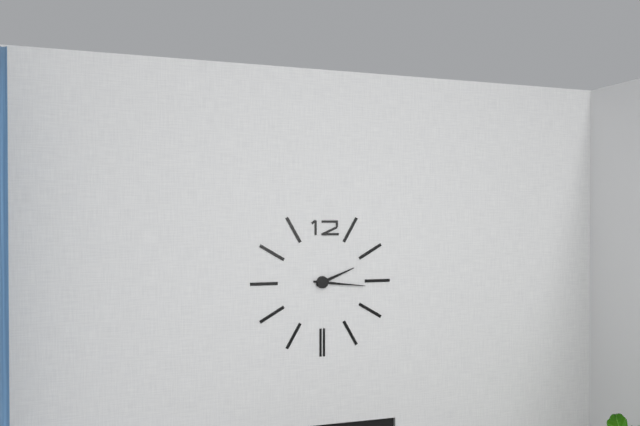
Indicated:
2 h 16 min
